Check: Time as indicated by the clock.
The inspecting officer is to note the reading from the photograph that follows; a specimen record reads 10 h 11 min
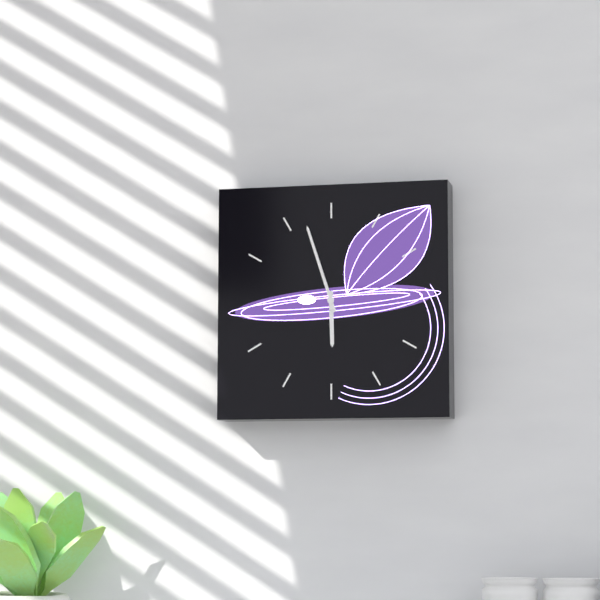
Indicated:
5 h 57 min
